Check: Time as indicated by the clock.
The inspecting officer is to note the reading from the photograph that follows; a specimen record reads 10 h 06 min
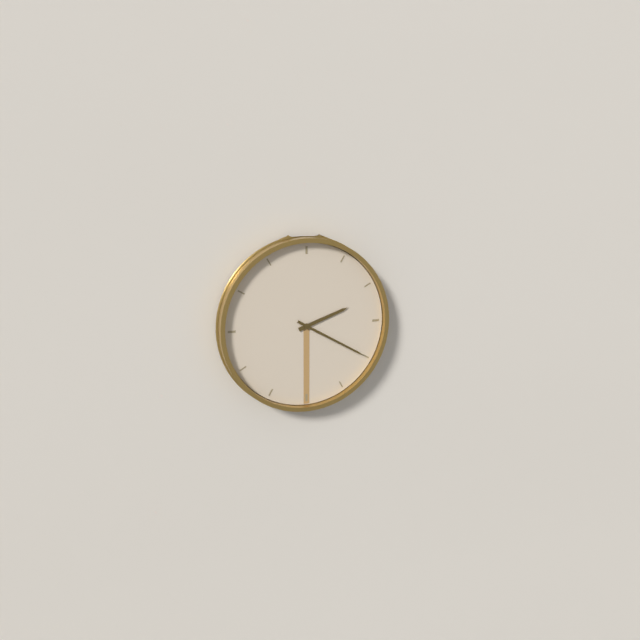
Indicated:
2 h 20 min
